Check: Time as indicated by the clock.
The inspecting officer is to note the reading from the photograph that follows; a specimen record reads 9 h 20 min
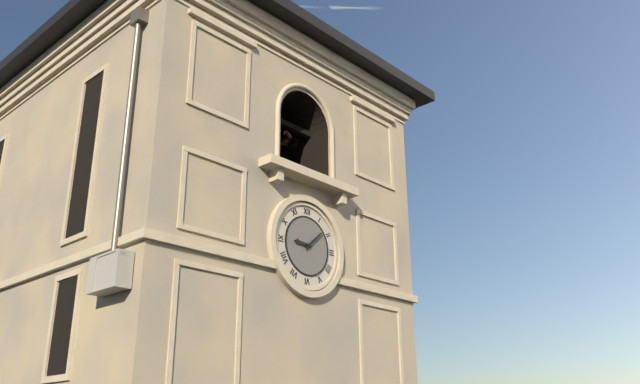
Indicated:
9 h 08 min
